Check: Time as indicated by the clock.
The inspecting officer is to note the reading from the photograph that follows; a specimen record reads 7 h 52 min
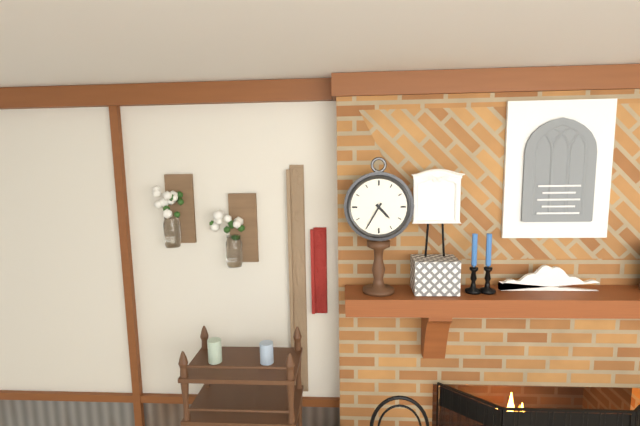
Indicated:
4 h 35 min
